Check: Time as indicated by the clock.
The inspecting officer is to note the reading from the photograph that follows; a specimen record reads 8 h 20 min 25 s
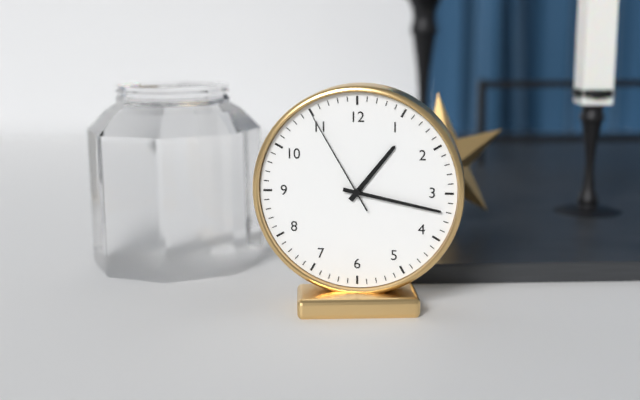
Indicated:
1 h 17 min 55 s
